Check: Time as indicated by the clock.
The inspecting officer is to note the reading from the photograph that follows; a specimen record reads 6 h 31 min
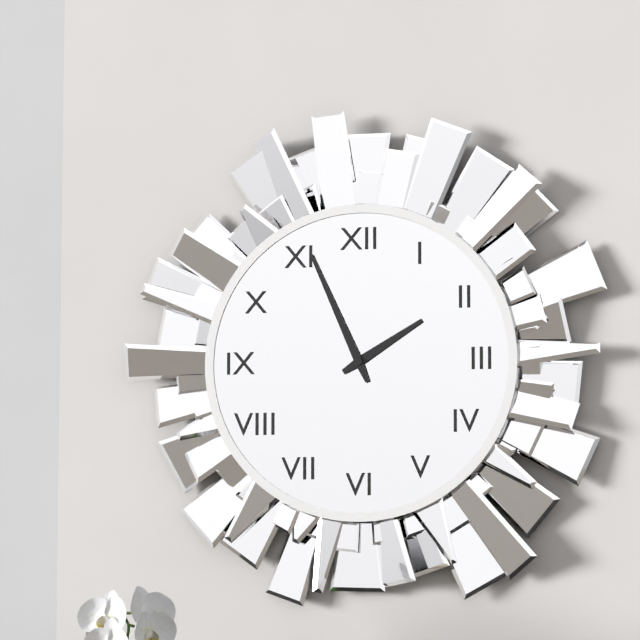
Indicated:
1 h 56 min
